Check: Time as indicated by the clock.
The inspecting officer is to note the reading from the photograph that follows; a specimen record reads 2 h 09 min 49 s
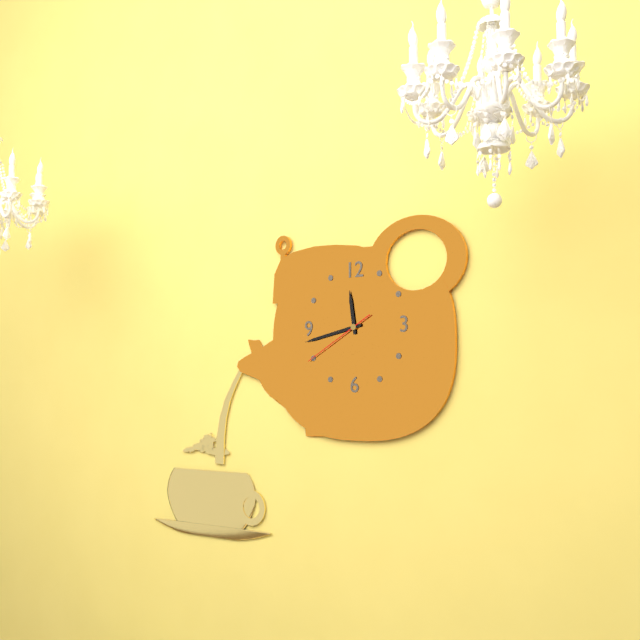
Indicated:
11 h 43 min 40 s
